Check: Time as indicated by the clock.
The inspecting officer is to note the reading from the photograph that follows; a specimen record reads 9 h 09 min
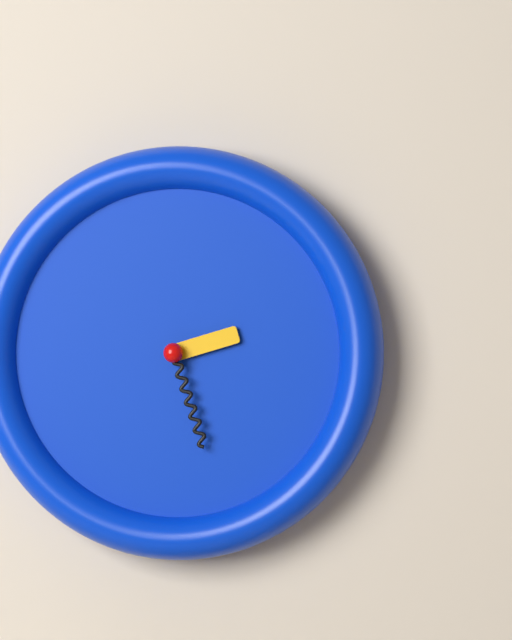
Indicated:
2 h 27 min
